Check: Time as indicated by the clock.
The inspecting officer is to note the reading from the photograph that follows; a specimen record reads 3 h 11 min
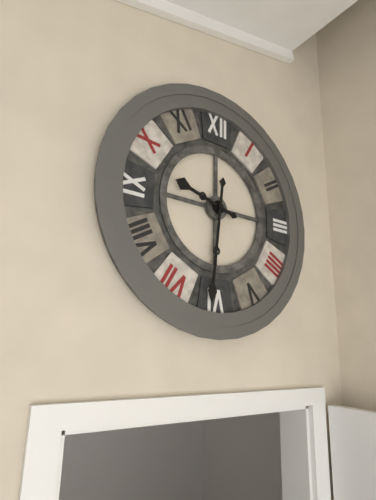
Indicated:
9 h 31 min
